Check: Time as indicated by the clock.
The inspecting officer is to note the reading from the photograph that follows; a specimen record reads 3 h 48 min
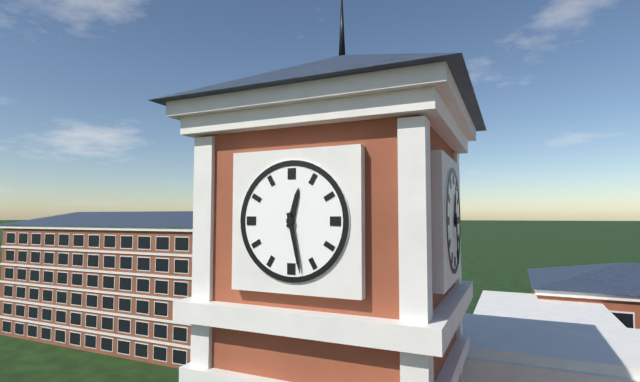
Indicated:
12 h 28 min
